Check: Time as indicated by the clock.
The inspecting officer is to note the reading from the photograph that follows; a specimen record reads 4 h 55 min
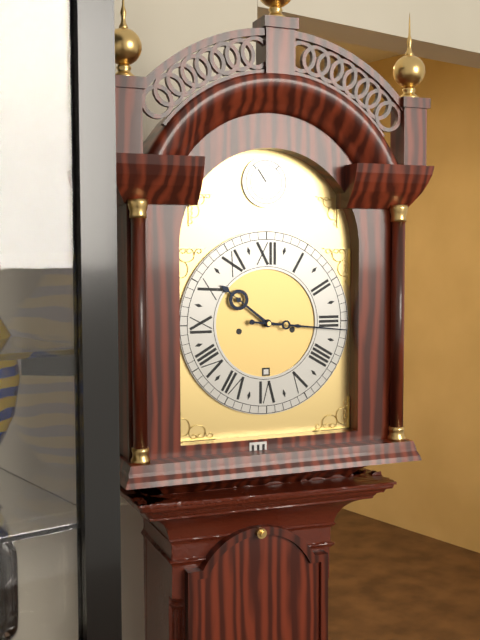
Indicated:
10 h 16 min
